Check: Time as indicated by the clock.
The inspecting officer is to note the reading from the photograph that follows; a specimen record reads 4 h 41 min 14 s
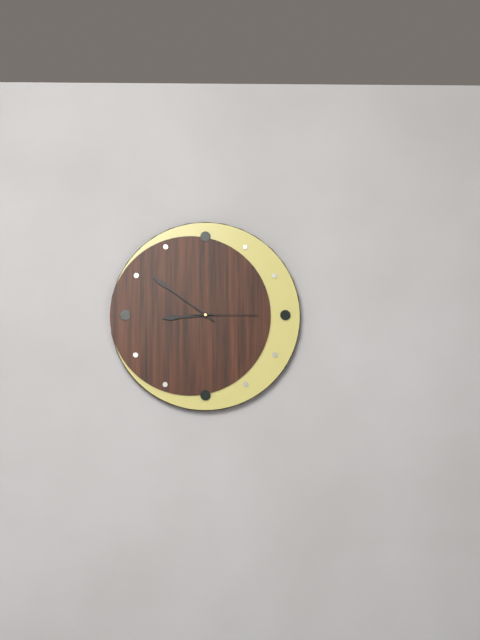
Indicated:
8 h 51 min 15 s
